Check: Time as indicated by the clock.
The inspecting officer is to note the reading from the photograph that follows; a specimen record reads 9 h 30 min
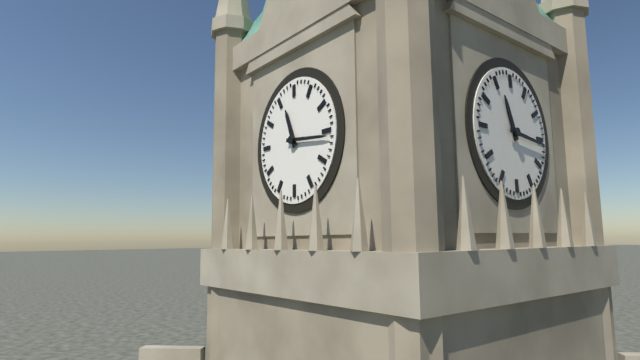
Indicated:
11 h 16 min
